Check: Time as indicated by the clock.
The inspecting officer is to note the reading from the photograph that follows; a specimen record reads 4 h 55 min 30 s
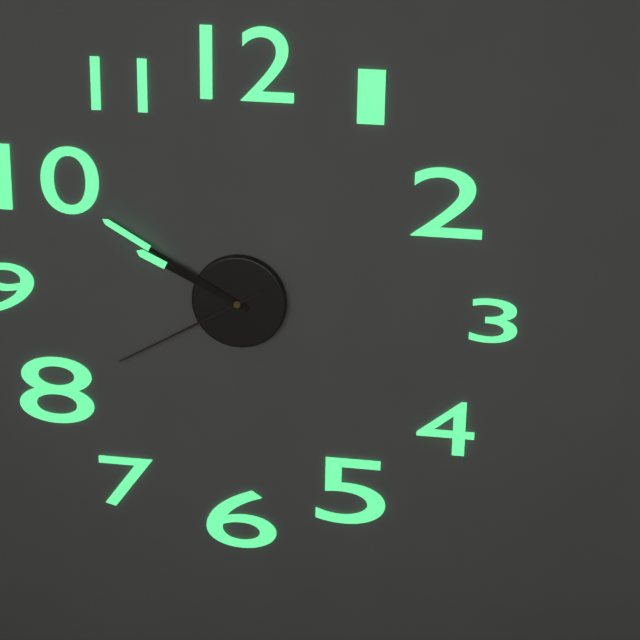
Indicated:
9 h 50 min 40 s
